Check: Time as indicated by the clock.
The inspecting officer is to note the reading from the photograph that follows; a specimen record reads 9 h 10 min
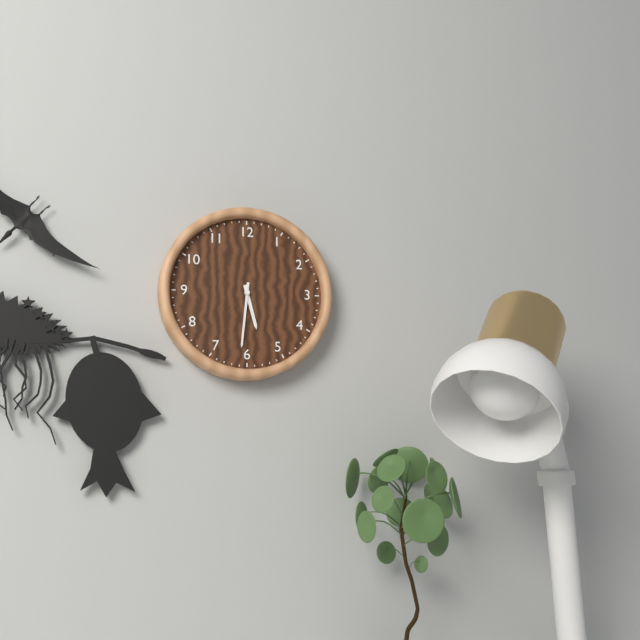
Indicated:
5 h 31 min
